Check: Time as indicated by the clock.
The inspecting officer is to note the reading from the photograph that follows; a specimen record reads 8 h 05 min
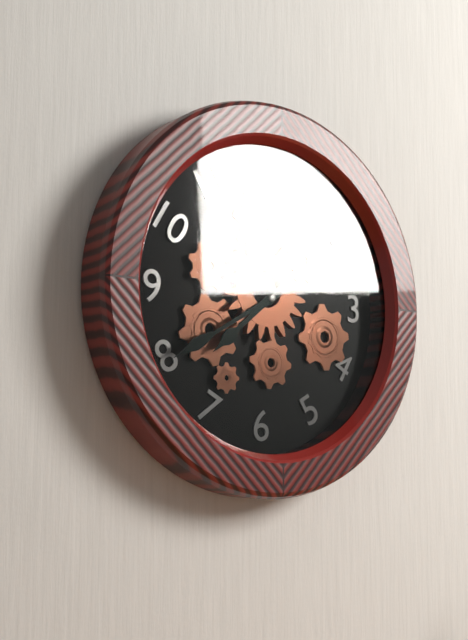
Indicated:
7 h 40 min
